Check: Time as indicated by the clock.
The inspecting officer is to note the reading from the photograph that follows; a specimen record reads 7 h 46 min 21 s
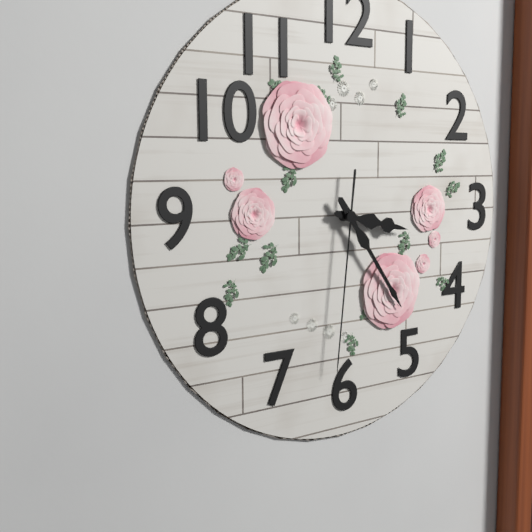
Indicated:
3 h 24 min 31 s
